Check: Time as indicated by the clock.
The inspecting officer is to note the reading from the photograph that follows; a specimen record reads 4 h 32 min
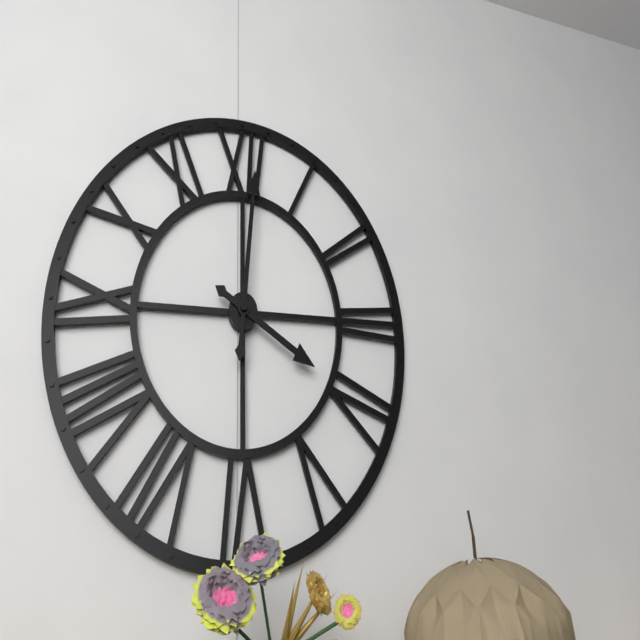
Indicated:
4 h 01 min
